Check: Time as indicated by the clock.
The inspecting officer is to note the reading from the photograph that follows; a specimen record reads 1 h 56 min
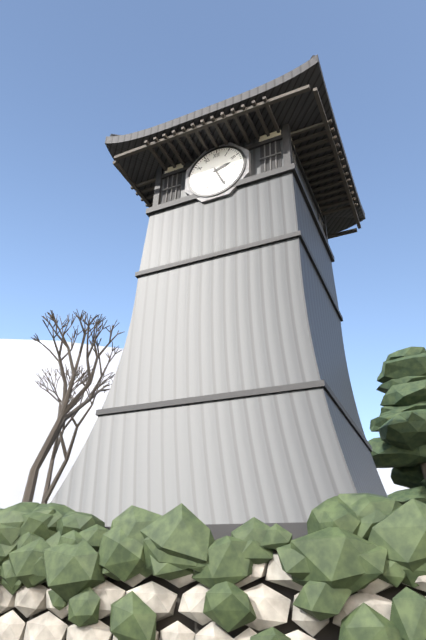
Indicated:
2 h 26 min
